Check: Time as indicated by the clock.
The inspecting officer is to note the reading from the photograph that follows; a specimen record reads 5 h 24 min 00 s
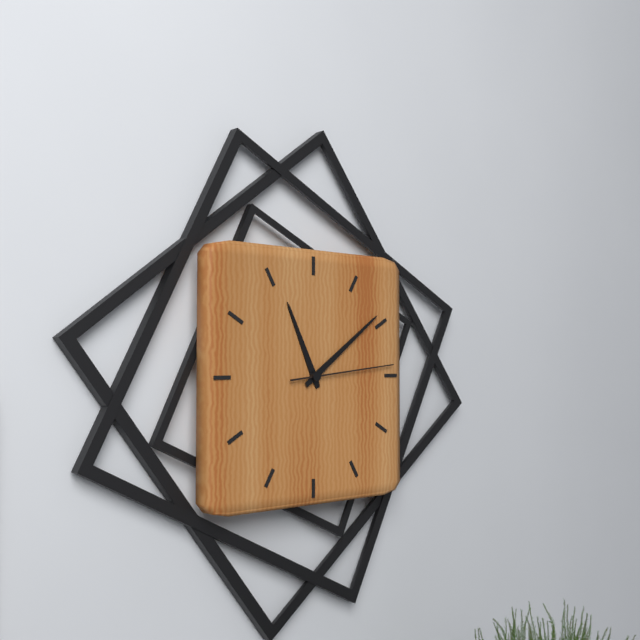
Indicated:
11 h 09 min 14 s
